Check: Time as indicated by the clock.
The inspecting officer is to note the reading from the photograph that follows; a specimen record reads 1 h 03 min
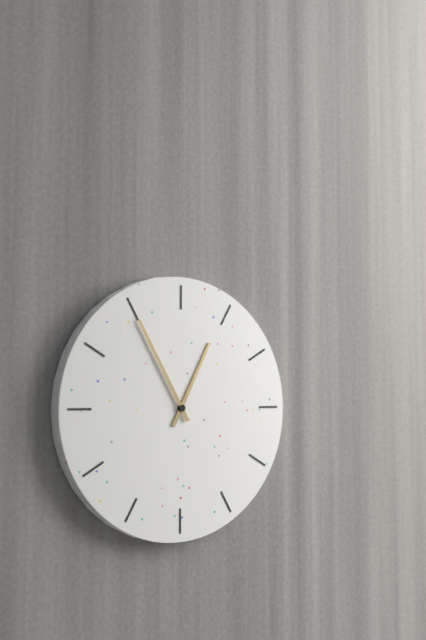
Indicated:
12 h 55 min
